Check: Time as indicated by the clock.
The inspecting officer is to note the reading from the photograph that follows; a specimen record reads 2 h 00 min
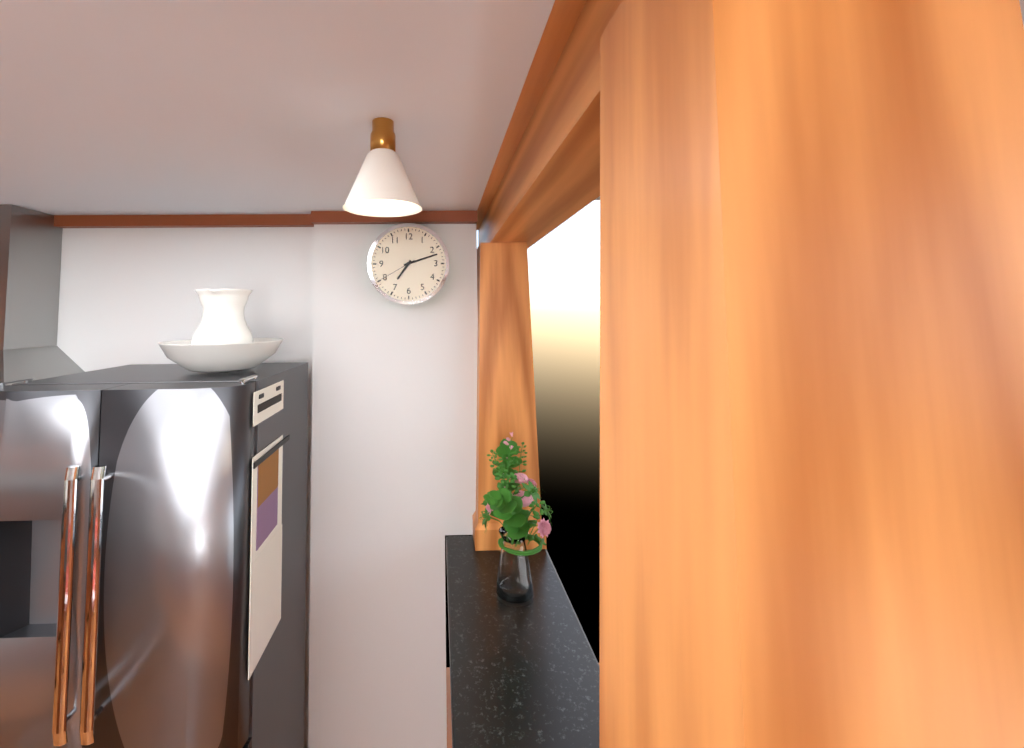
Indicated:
7 h 12 min
